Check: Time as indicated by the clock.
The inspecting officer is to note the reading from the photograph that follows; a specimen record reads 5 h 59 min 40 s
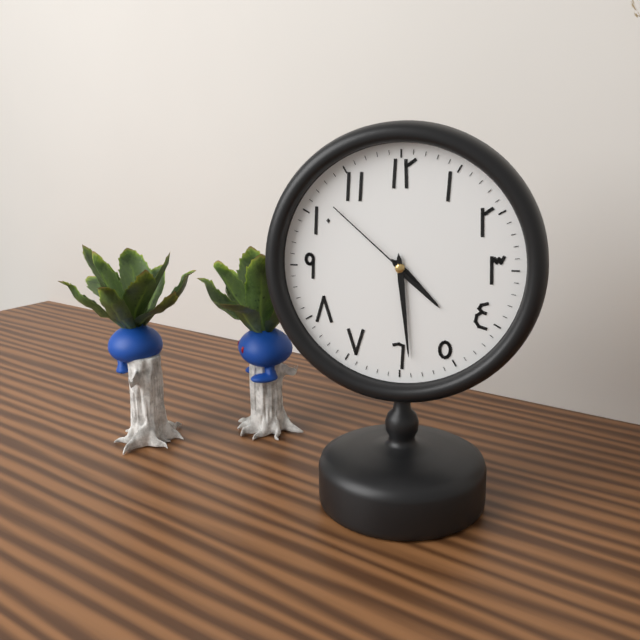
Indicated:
4 h 29 min 52 s
